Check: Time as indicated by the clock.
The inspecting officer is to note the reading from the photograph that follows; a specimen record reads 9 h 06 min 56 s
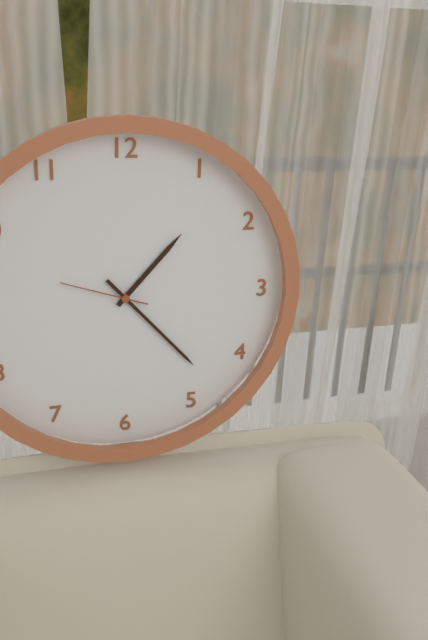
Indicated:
1 h 23 min 48 s
